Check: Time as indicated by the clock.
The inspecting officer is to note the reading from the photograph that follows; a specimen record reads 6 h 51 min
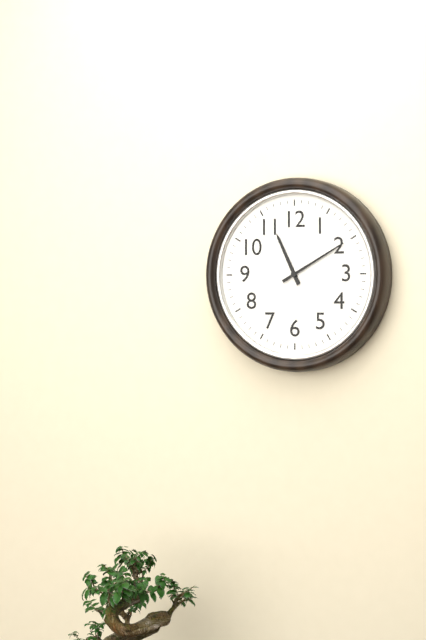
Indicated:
11 h 10 min
